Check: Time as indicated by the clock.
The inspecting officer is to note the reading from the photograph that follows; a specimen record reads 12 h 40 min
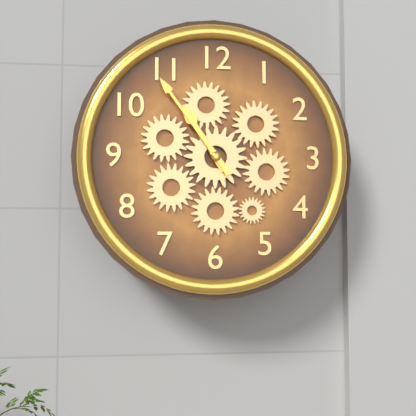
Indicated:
10 h 54 min
